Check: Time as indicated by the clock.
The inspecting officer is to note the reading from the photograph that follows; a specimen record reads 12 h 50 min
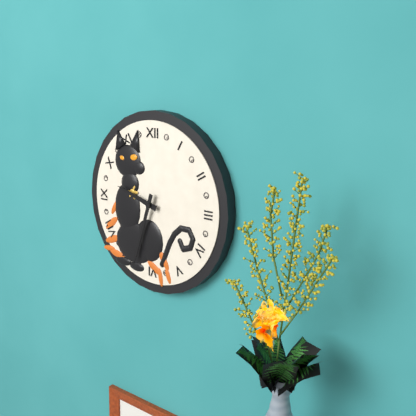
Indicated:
9 h 33 min
